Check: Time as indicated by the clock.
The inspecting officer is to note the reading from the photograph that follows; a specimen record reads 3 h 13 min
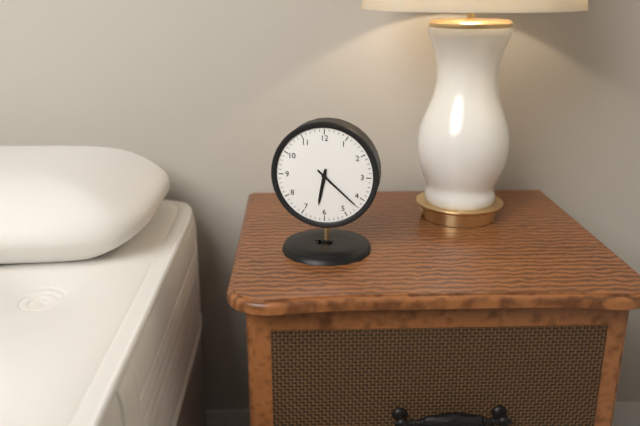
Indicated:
6 h 22 min
